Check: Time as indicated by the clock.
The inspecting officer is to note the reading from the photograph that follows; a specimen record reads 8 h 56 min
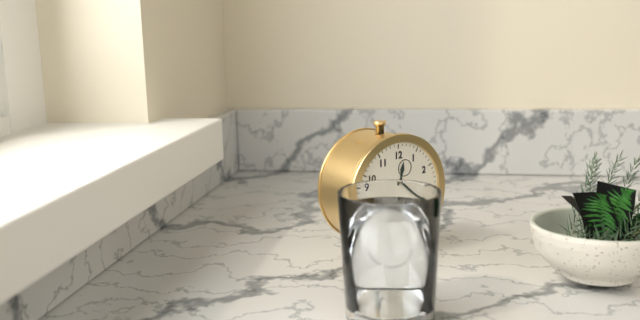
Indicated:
12 h 23 min
